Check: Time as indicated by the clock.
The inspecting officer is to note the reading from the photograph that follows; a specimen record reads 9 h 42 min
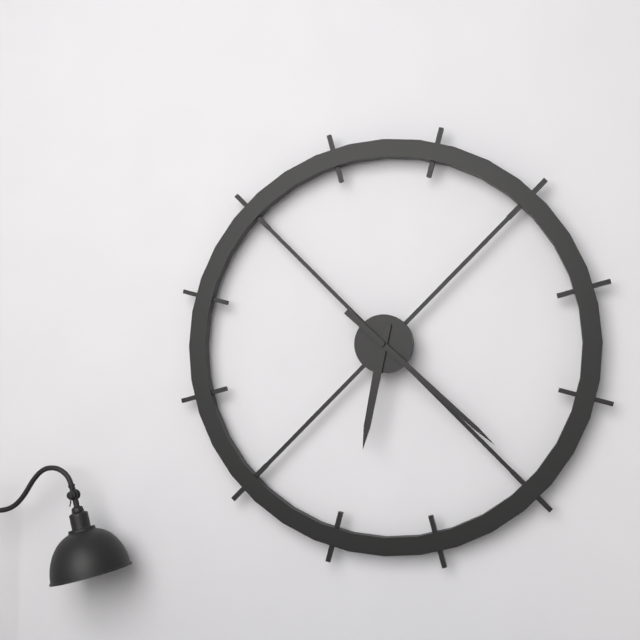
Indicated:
6 h 22 min
